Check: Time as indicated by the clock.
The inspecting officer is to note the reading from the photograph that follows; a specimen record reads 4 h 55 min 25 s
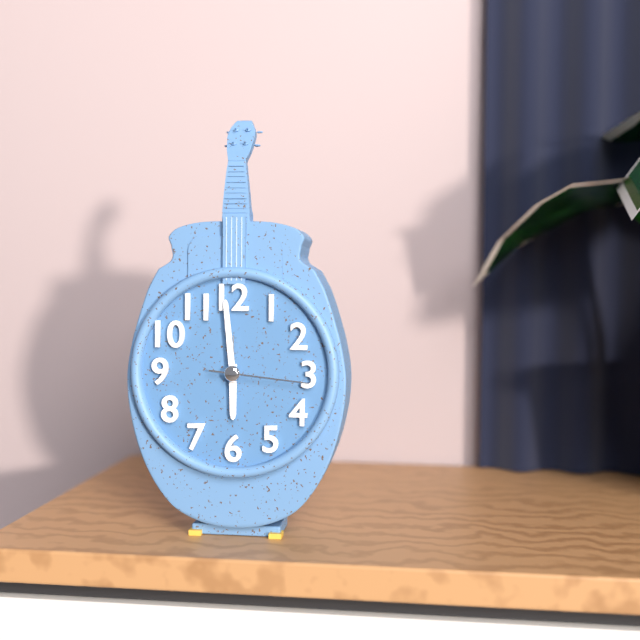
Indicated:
5 h 59 min 16 s
